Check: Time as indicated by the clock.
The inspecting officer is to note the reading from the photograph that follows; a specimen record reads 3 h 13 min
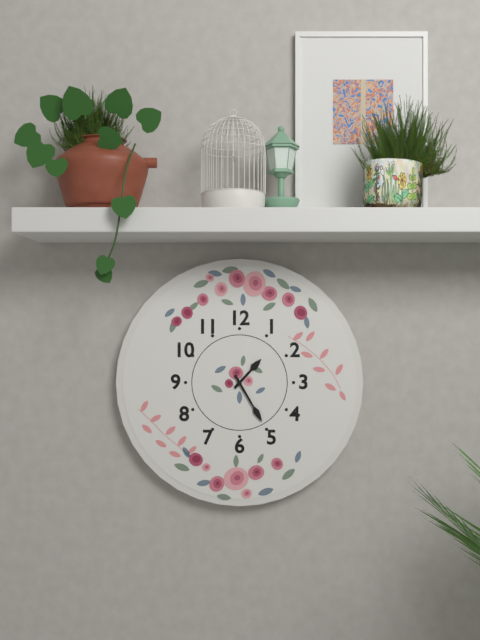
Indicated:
1 h 25 min
